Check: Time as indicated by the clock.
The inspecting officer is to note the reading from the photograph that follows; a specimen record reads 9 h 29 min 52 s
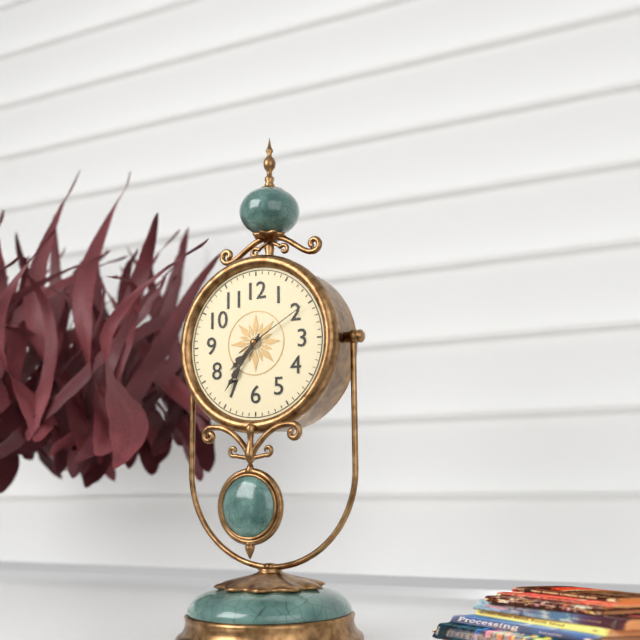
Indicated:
7 h 36 min 10 s
